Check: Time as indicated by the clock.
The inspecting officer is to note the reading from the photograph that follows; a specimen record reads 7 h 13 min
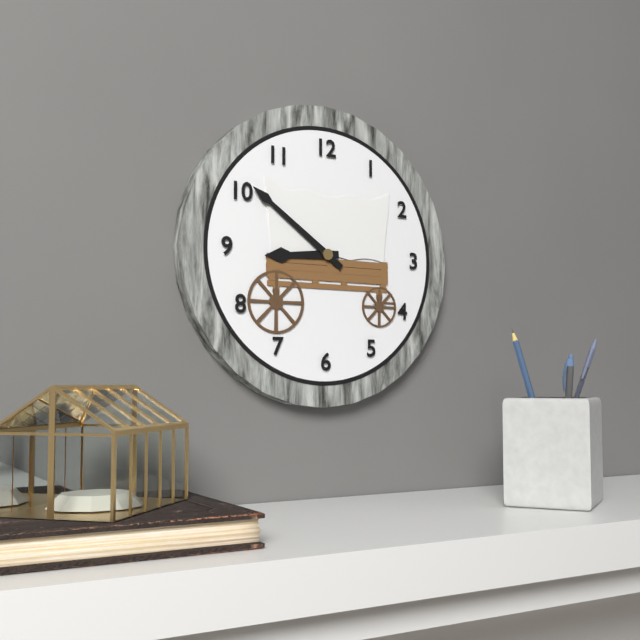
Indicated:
8 h 51 min
